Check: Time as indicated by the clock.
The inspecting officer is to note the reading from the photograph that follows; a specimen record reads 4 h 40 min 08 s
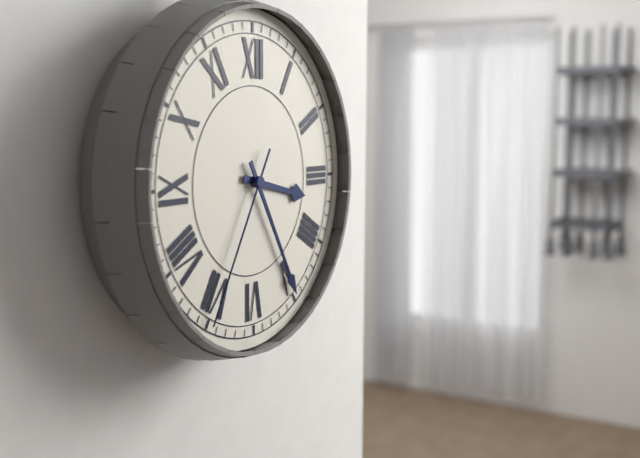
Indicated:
3 h 25 min 35 s
